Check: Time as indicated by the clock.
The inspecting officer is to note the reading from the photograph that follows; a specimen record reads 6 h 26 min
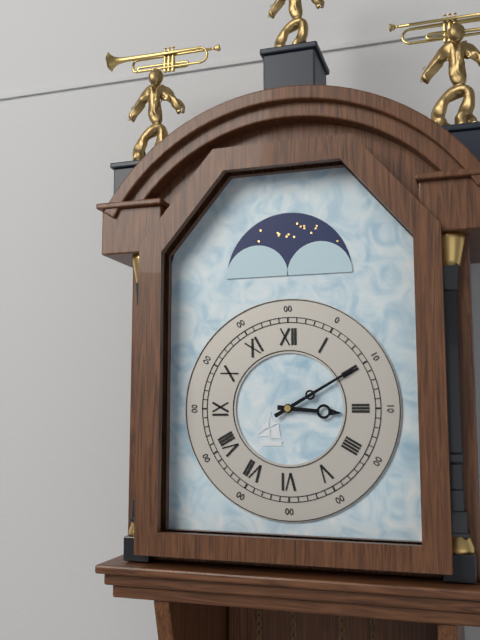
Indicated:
3 h 10 min
